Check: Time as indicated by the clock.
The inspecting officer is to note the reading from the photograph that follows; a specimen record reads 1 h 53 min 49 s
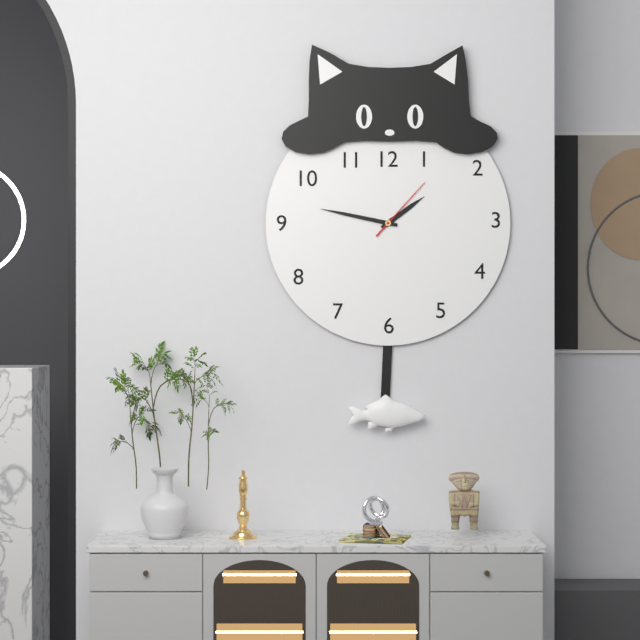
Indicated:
1 h 47 min 07 s
